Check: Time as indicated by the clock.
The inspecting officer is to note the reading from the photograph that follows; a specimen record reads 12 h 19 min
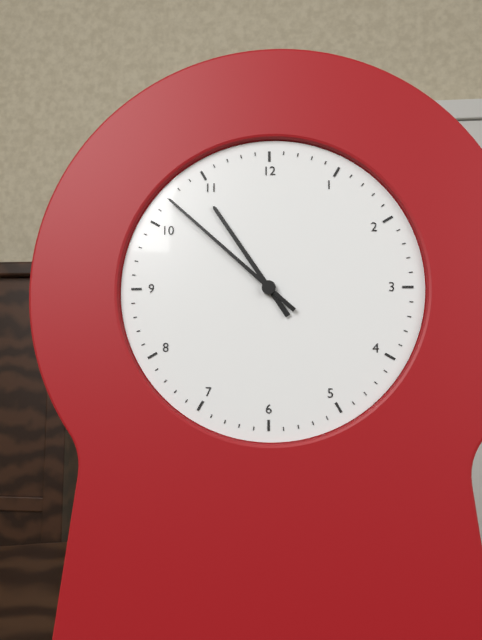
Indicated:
10 h 52 min
